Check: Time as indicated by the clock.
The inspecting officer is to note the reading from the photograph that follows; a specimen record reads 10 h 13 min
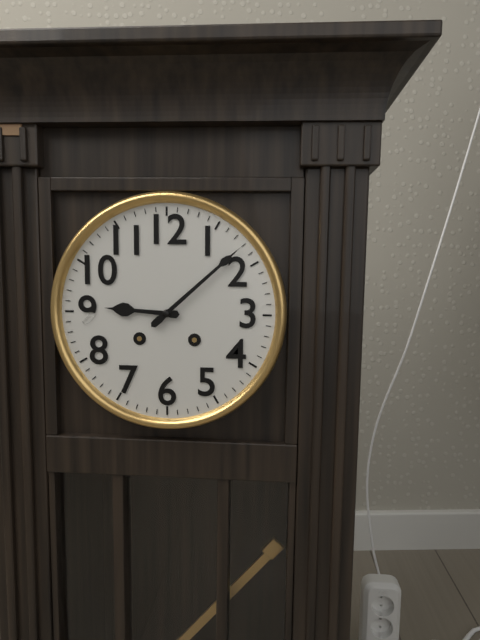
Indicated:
9 h 08 min
